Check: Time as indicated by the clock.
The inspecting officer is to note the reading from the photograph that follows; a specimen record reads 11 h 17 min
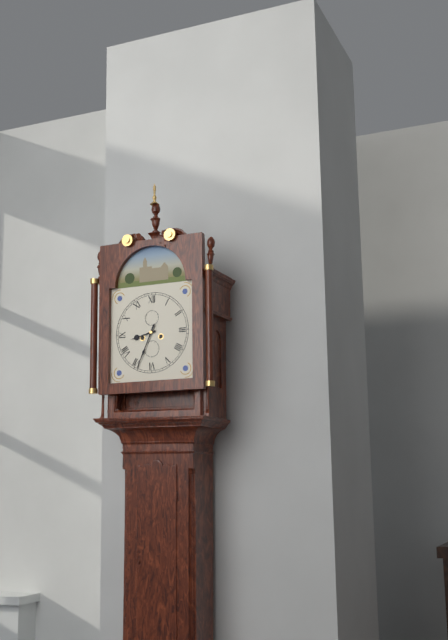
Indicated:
8 h 34 min
